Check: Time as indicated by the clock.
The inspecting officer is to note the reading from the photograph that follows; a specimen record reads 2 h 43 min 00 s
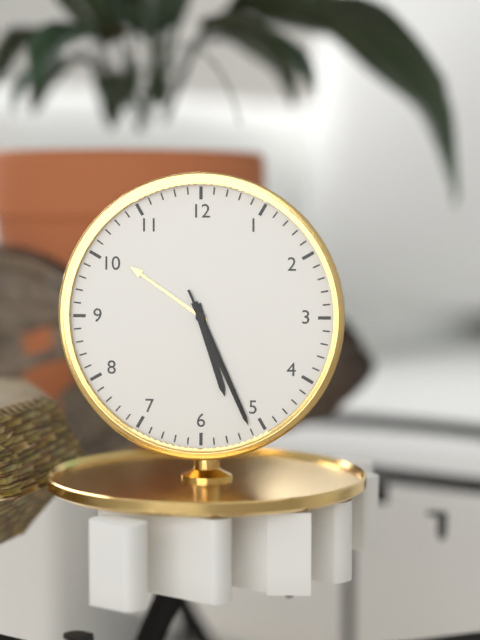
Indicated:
5 h 26 min 26 s
